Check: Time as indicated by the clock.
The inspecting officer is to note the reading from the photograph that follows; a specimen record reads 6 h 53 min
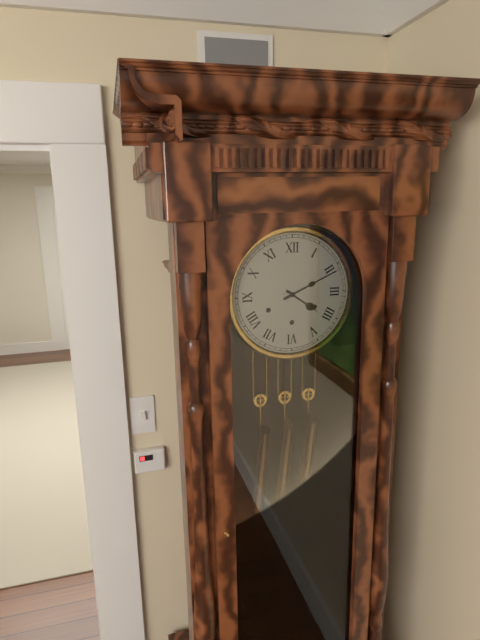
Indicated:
4 h 11 min
